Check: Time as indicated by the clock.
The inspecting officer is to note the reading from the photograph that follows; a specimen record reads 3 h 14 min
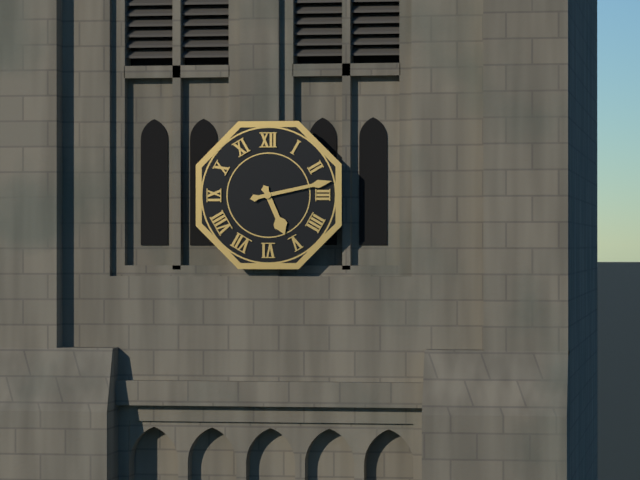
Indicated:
5 h 13 min
